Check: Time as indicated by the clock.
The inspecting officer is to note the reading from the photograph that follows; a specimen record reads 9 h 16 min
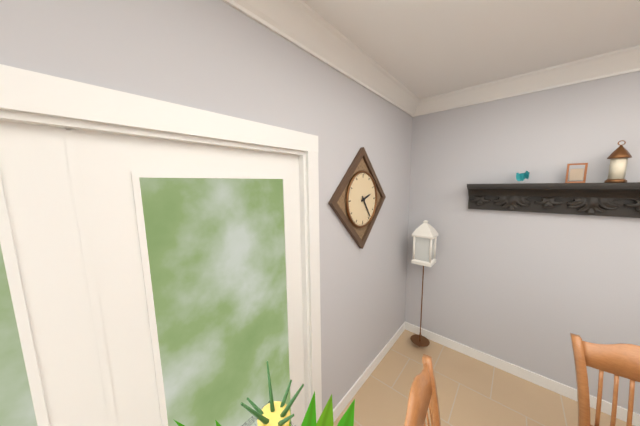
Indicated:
2 h 24 min
